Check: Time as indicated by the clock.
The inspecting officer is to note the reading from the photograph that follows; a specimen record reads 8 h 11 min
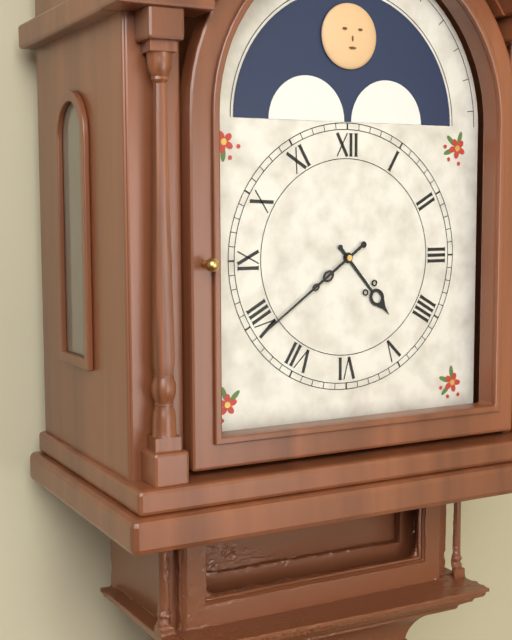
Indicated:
4 h 39 min
